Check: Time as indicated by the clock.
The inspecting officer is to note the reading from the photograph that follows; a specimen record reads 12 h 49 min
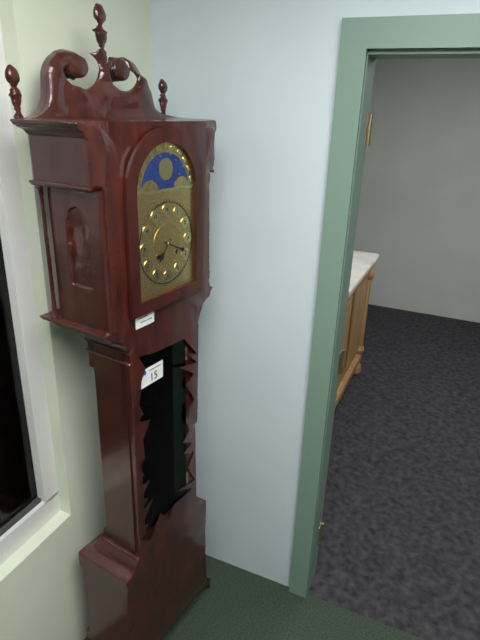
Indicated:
7 h 19 min
